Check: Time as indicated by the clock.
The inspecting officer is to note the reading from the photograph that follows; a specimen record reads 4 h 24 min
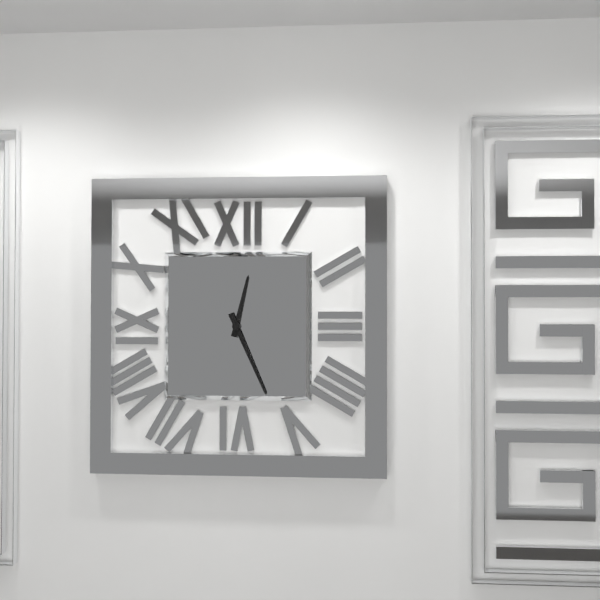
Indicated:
12 h 26 min
